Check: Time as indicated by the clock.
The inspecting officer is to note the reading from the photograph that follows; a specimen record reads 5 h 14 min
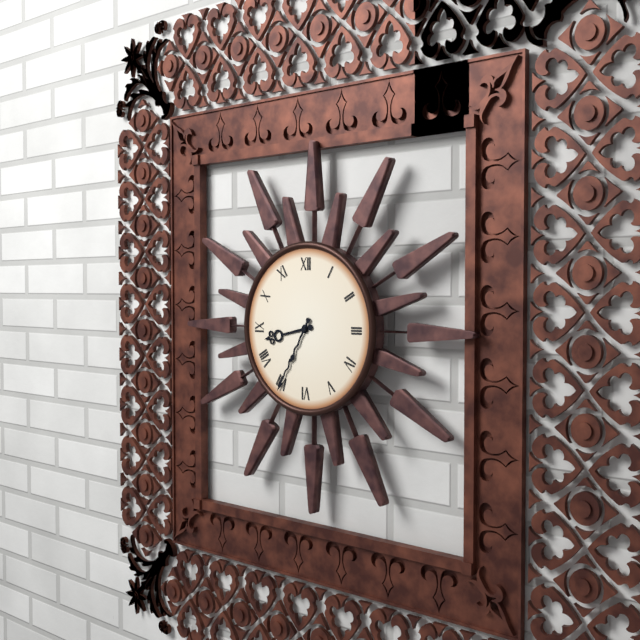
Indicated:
8 h 35 min
